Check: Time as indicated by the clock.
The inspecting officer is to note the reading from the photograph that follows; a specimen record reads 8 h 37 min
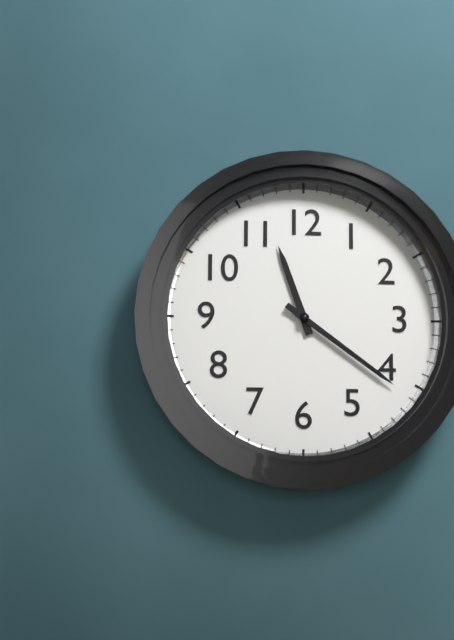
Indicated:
11 h 21 min
